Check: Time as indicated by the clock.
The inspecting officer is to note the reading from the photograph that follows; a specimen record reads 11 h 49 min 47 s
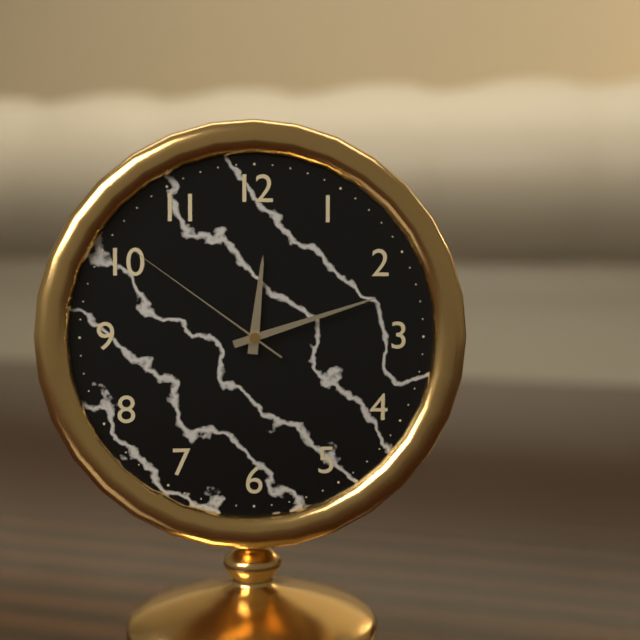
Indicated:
12 h 12 min 51 s
